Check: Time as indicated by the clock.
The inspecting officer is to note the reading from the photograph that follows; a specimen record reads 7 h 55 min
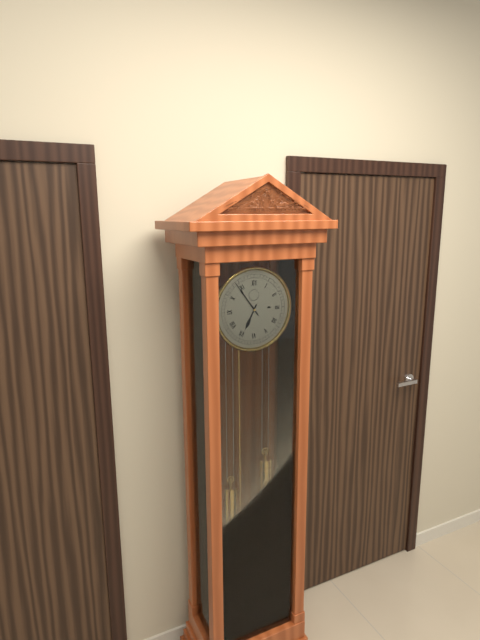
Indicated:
6 h 54 min
